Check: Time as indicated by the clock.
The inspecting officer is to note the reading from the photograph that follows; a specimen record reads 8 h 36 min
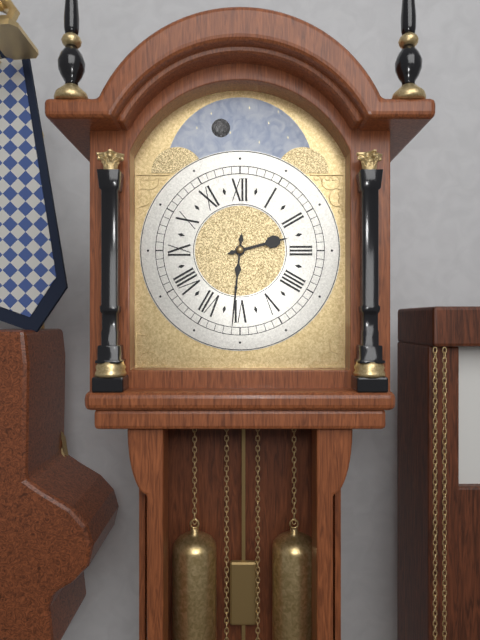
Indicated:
2 h 31 min
